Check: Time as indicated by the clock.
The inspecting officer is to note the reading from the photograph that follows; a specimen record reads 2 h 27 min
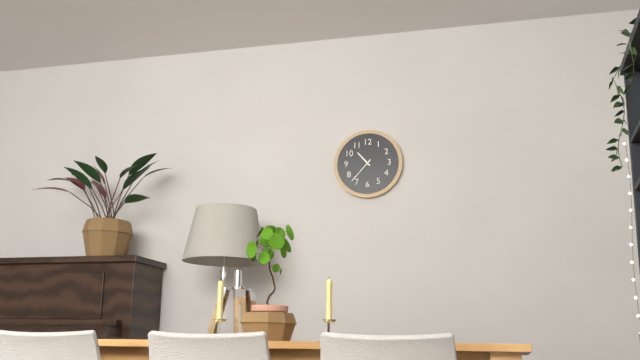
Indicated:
10 h 37 min
